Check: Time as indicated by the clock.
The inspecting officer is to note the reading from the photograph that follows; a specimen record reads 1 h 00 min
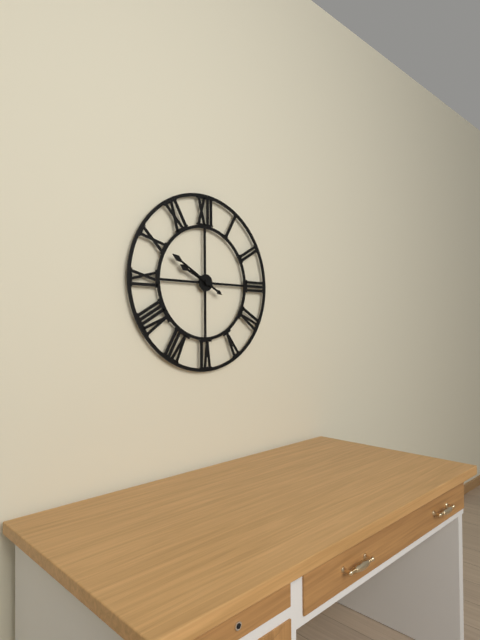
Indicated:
9 h 50 min
